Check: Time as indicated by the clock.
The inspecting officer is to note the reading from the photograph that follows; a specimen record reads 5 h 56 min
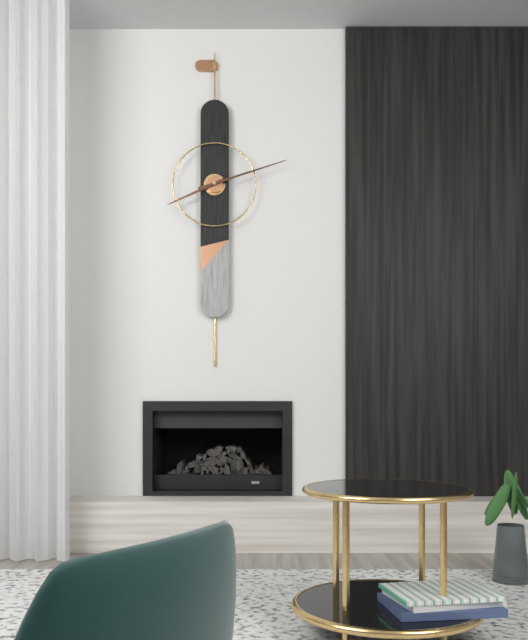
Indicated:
8 h 12 min
